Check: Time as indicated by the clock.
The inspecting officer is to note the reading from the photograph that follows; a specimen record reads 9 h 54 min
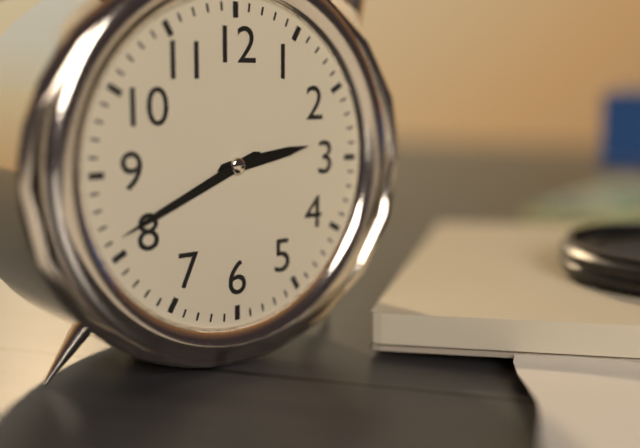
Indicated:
2 h 41 min
